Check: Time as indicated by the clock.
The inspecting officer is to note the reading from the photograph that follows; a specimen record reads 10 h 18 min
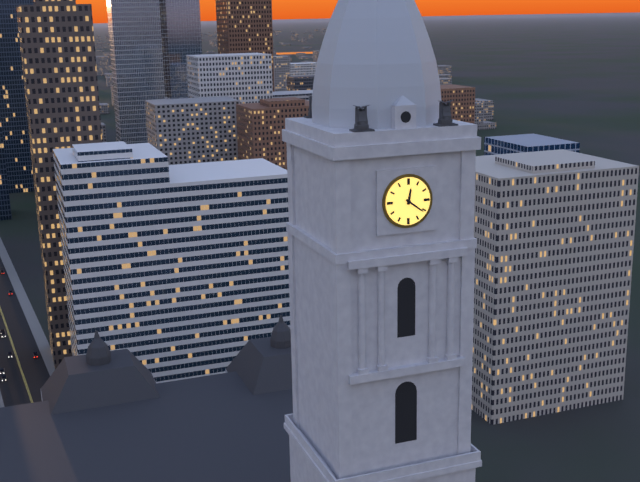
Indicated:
12 h 21 min
